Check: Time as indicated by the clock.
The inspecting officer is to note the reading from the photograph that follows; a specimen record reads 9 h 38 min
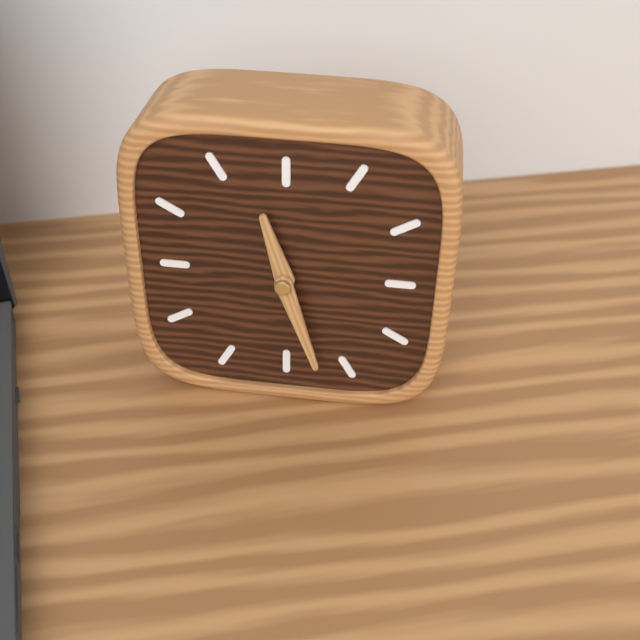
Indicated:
11 h 27 min
